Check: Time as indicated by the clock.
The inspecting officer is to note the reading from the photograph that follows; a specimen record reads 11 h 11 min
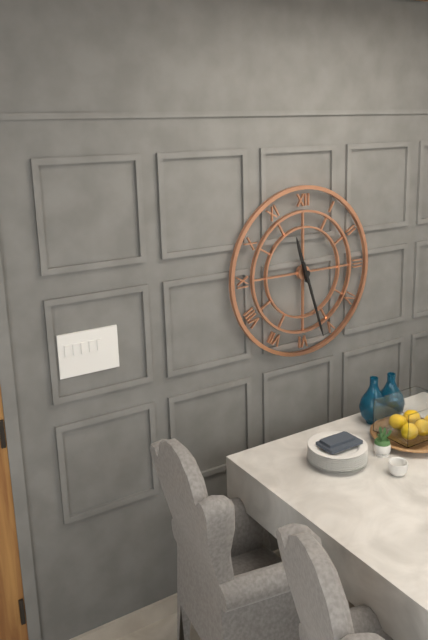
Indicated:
11 h 27 min
